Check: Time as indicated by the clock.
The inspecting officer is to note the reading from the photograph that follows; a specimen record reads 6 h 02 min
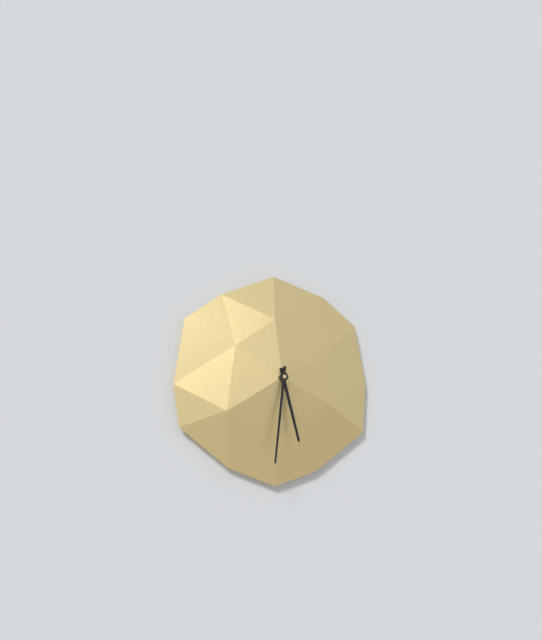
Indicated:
5 h 31 min
